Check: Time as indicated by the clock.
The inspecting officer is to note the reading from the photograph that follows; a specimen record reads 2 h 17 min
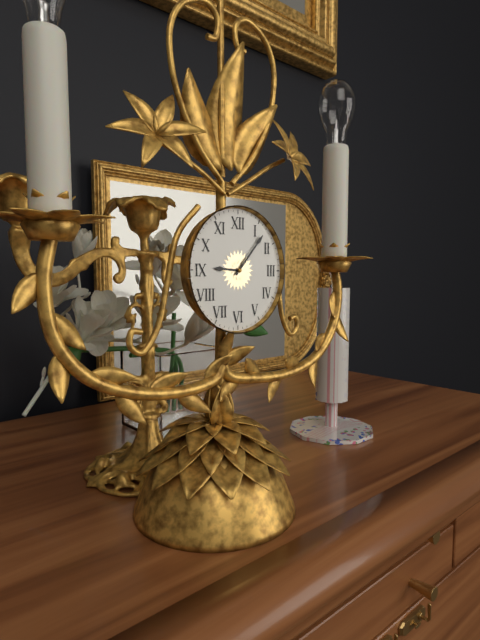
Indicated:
9 h 07 min
